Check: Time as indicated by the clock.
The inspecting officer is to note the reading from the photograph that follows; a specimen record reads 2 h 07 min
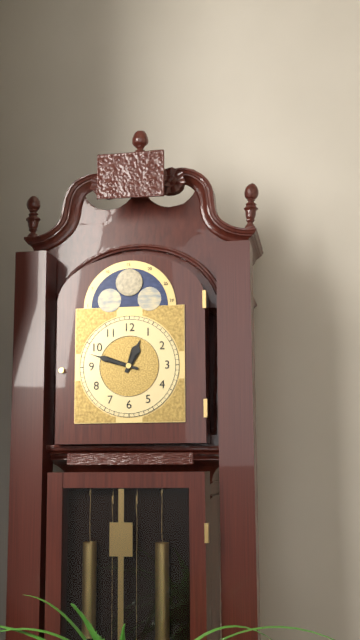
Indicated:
12 h 48 min
